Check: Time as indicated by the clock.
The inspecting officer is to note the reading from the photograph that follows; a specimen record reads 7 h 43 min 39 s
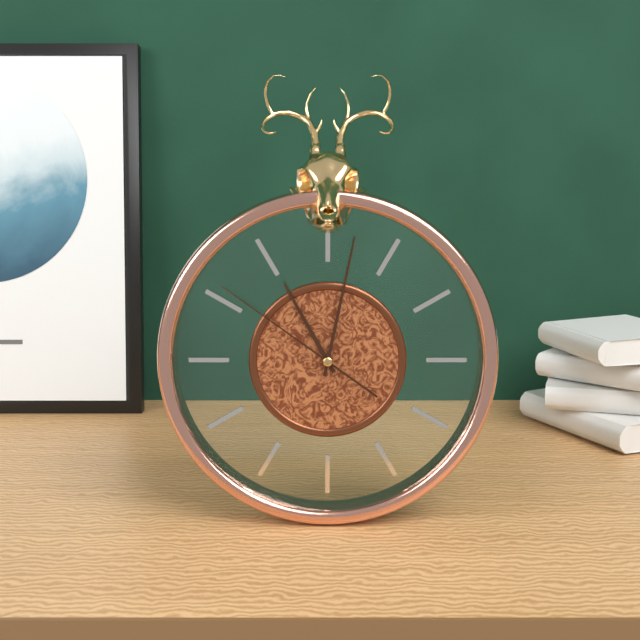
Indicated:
11 h 02 min 51 s
